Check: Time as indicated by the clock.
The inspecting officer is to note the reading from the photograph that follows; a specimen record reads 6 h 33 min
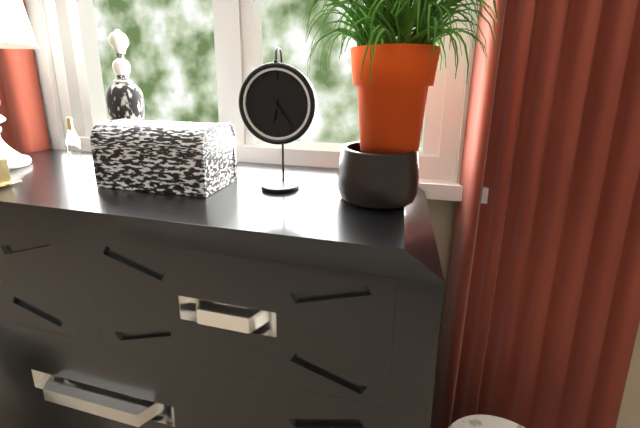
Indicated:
6 h 24 min
